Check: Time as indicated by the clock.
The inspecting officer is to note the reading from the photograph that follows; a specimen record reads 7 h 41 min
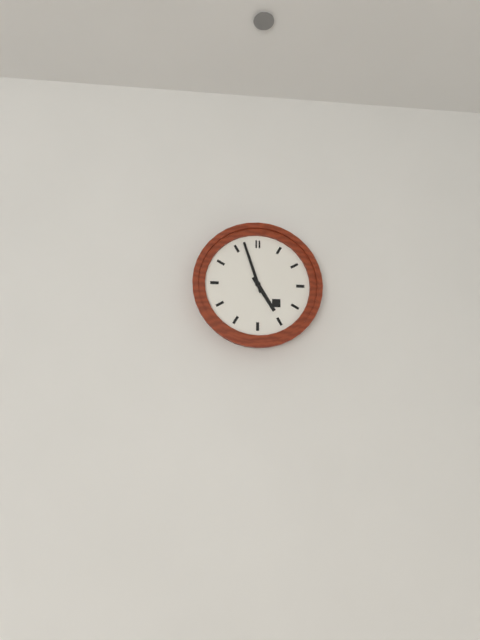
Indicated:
4 h 57 min
